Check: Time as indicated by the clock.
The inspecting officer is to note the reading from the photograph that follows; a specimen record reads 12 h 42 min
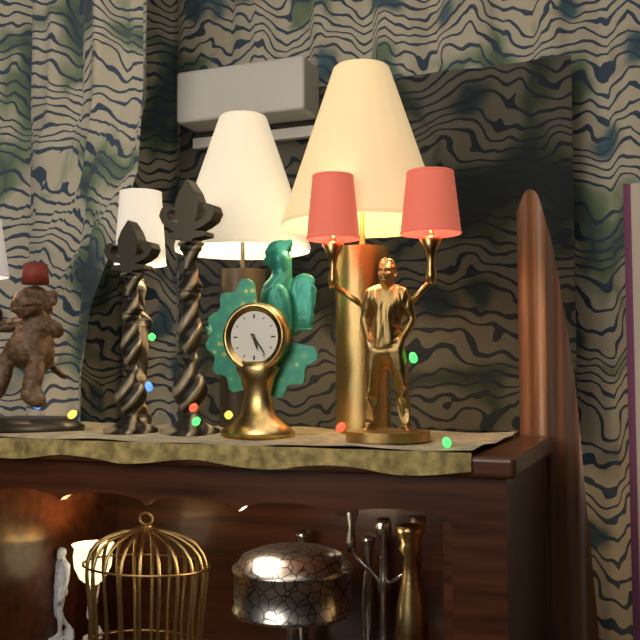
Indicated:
5 h 24 min
